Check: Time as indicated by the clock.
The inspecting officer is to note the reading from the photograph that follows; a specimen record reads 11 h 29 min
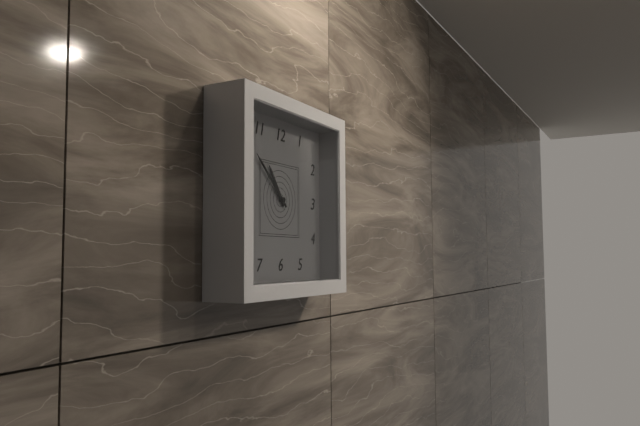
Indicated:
10 h 52 min
